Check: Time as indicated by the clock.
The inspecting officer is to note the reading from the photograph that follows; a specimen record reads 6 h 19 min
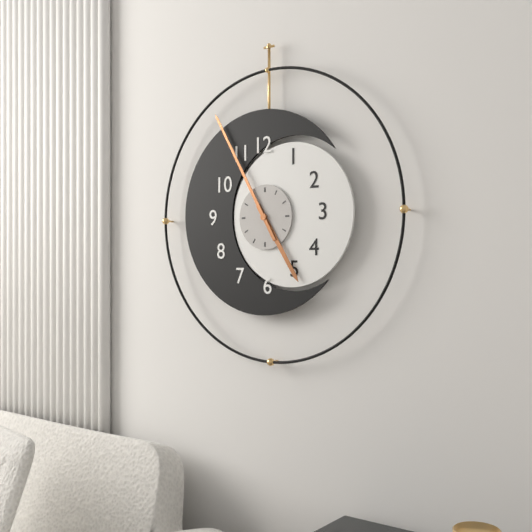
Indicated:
4 h 55 min
